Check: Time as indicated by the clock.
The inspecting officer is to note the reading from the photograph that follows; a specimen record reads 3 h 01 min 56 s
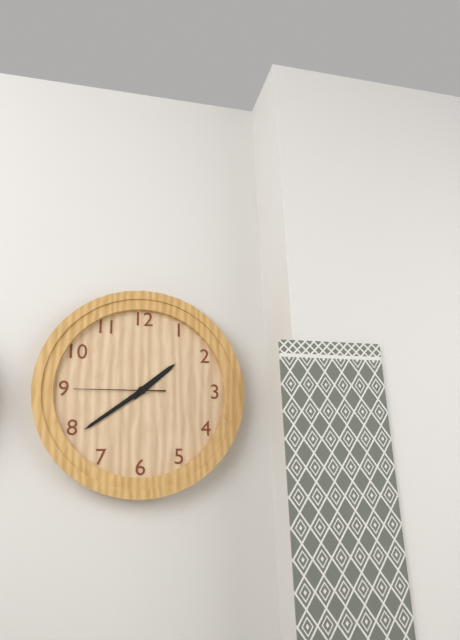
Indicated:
1 h 39 min 45 s
